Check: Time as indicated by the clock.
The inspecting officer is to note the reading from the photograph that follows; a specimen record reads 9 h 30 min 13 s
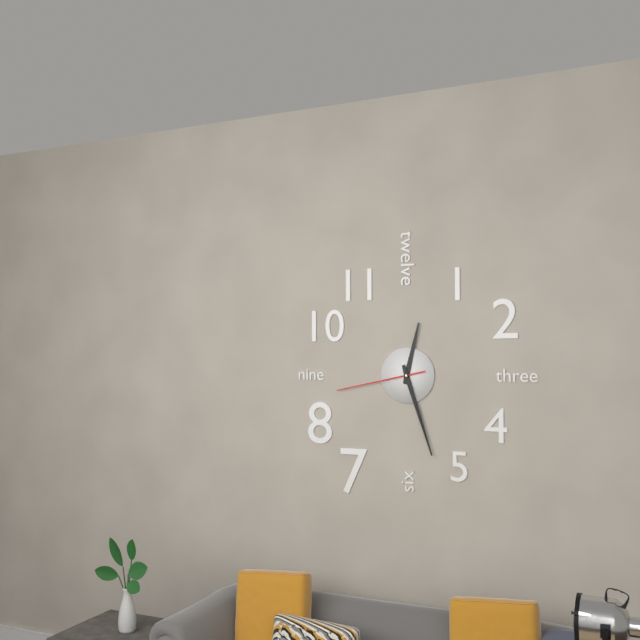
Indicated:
12 h 27 min 43 s
